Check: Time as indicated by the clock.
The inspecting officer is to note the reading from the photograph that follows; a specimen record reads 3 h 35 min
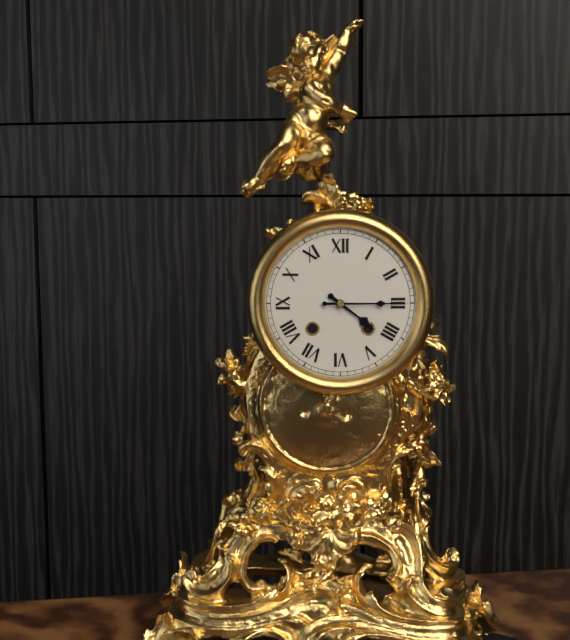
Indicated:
4 h 15 min
